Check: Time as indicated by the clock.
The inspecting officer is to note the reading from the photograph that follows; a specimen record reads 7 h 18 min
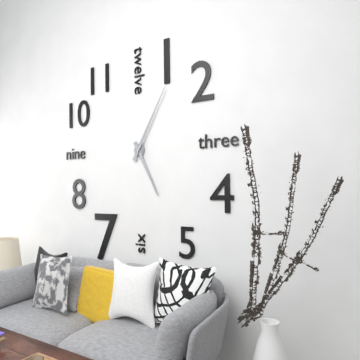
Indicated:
5 h 05 min
